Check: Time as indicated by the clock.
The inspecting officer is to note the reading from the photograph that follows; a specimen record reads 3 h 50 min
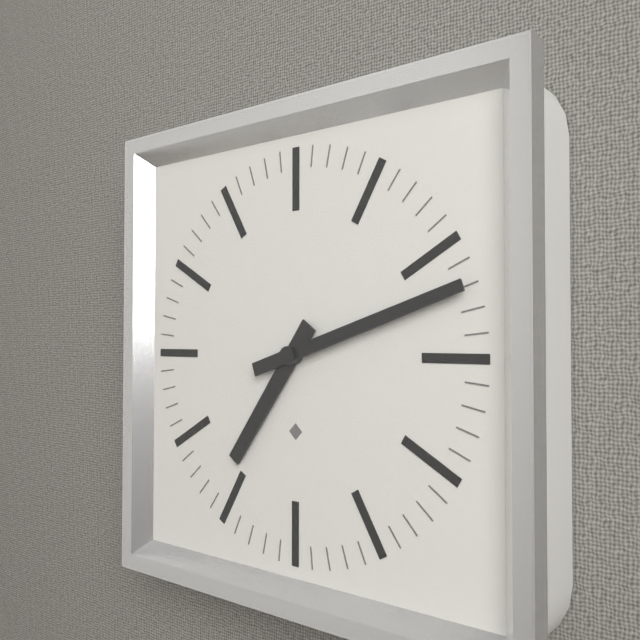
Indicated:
7 h 12 min
